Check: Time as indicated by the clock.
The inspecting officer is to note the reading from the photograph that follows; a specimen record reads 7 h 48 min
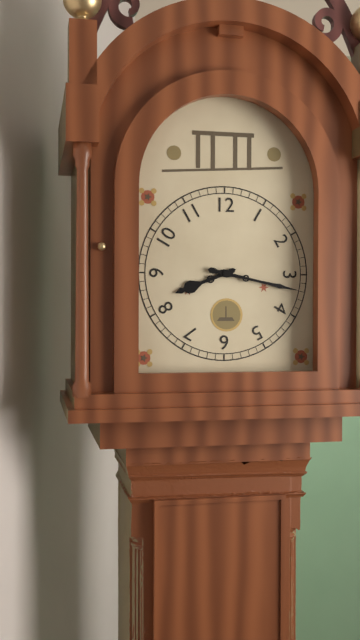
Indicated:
8 h 17 min
